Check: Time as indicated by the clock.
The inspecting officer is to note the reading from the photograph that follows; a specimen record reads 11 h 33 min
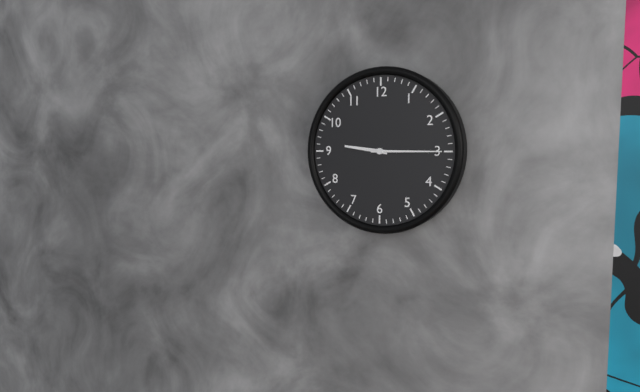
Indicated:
9 h 15 min
